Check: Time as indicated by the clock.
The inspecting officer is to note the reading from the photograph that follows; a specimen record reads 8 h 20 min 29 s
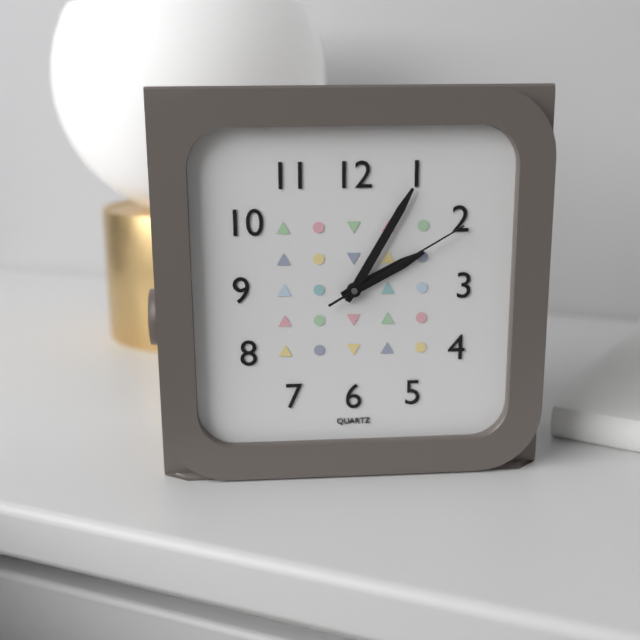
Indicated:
2 h 05 min 10 s
